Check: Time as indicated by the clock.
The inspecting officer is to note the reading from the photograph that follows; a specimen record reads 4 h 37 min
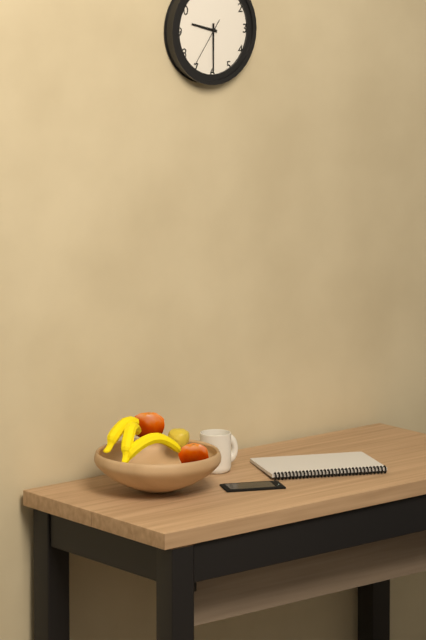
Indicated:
9 h 30 min
